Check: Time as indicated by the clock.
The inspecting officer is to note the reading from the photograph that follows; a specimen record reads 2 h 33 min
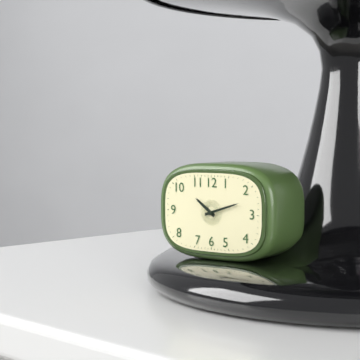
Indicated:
10 h 12 min
